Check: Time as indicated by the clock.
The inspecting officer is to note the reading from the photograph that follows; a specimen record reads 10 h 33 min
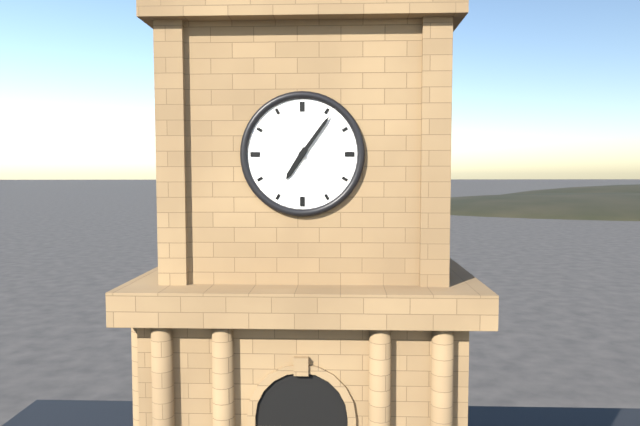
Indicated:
7 h 06 min
